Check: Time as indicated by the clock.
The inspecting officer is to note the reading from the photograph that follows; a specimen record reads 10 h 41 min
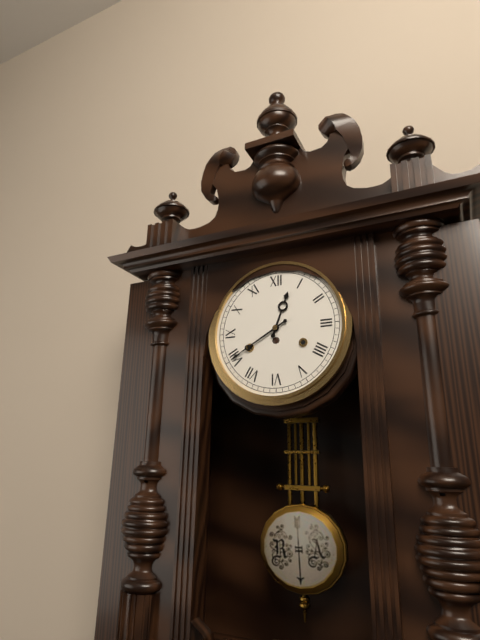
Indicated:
12 h 40 min
